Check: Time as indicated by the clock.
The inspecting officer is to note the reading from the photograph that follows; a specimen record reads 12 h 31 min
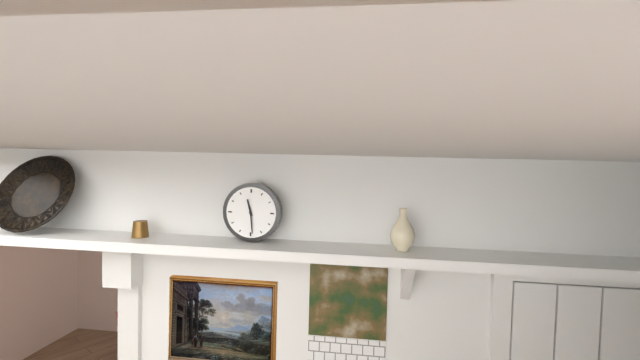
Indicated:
11 h 29 min
